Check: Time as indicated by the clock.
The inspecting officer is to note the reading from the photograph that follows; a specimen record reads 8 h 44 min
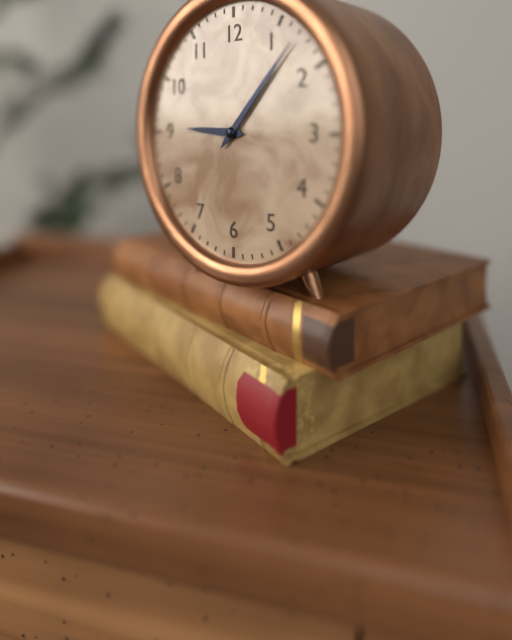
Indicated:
9 h 07 min
